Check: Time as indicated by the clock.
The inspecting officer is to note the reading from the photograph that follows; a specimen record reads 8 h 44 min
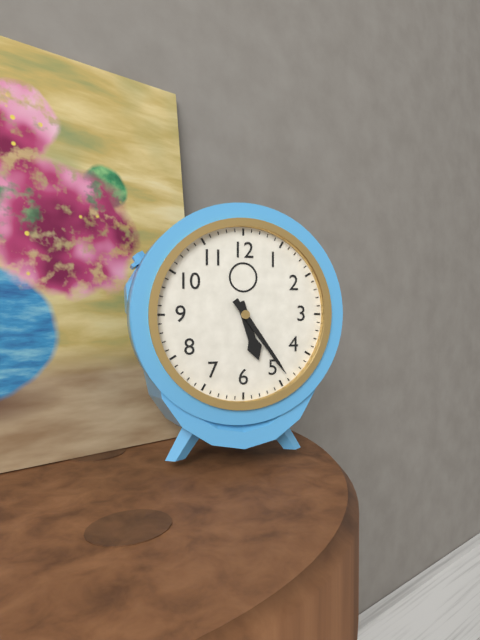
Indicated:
5 h 24 min
